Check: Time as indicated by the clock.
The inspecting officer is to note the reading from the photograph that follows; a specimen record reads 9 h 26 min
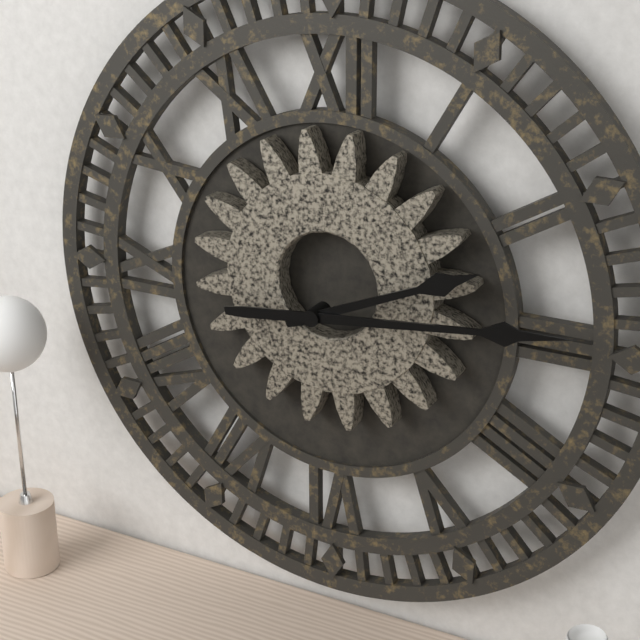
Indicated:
2 h 14 min
